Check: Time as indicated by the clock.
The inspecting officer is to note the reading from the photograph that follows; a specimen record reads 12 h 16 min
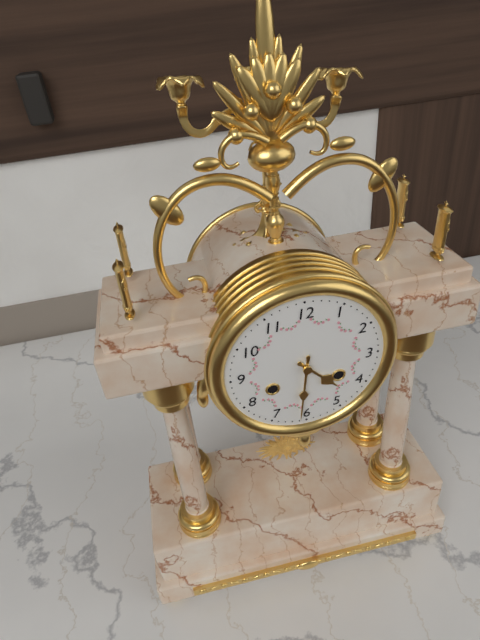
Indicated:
4 h 31 min
